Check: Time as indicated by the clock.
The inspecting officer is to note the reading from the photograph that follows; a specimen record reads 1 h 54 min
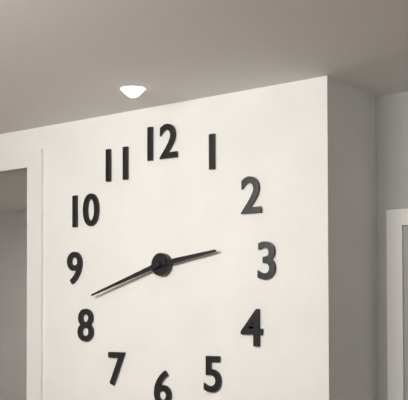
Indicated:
2 h 42 min
